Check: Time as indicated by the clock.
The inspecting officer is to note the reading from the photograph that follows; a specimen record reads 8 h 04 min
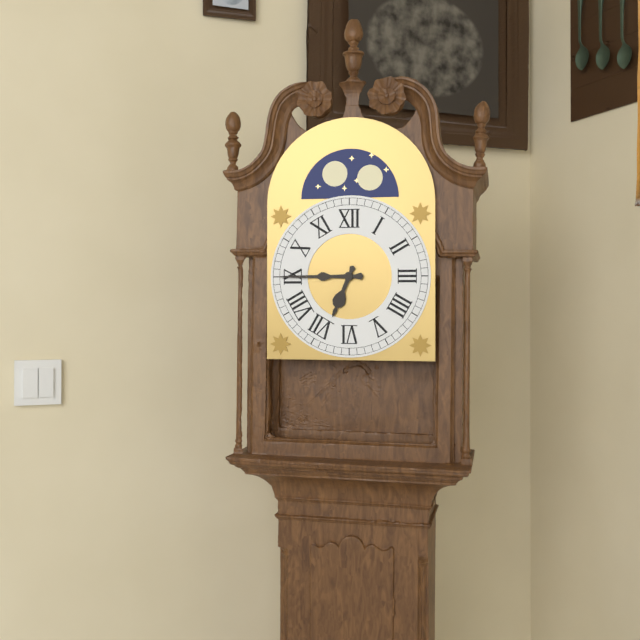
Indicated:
6 h 45 min
